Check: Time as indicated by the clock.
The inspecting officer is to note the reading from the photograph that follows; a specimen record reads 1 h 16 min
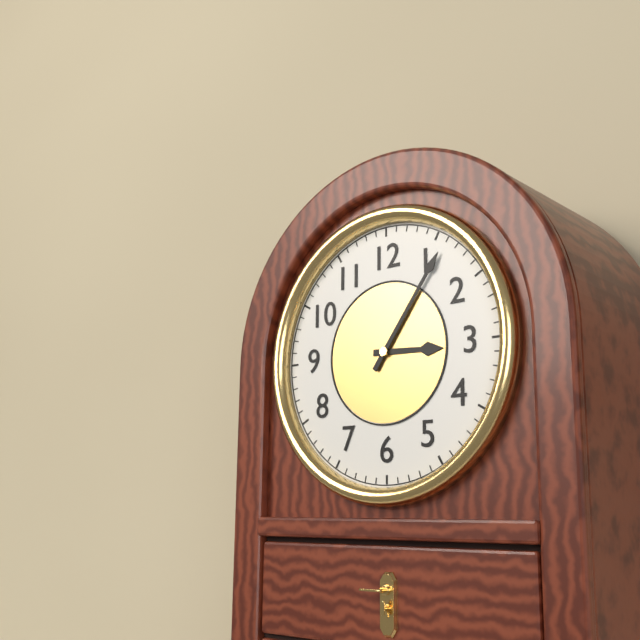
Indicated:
3 h 06 min
